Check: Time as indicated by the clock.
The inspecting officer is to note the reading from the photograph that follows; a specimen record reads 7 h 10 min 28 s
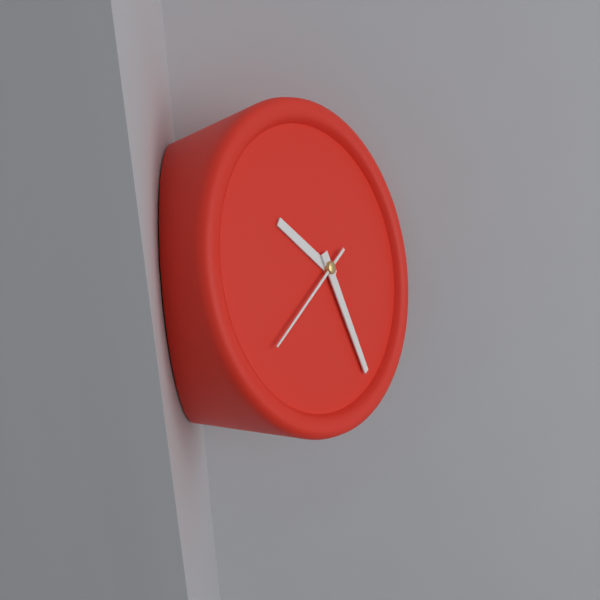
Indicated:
10 h 28 min 41 s
